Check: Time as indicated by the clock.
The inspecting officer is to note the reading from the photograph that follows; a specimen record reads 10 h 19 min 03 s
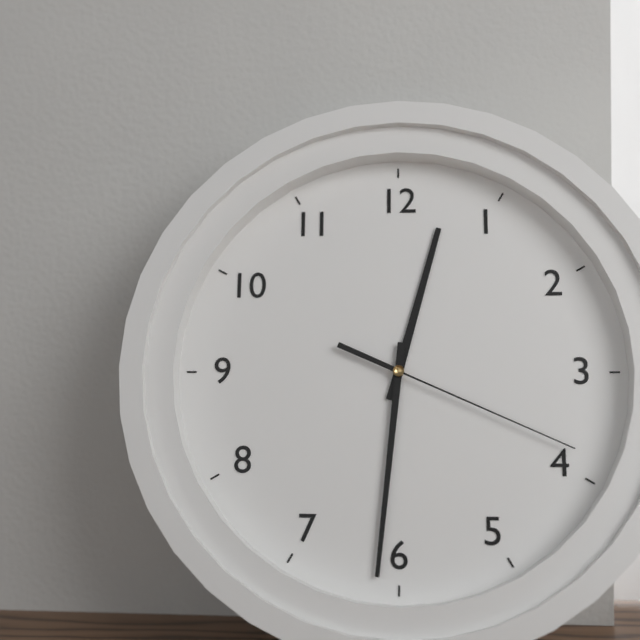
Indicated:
12 h 31 min 19 s
